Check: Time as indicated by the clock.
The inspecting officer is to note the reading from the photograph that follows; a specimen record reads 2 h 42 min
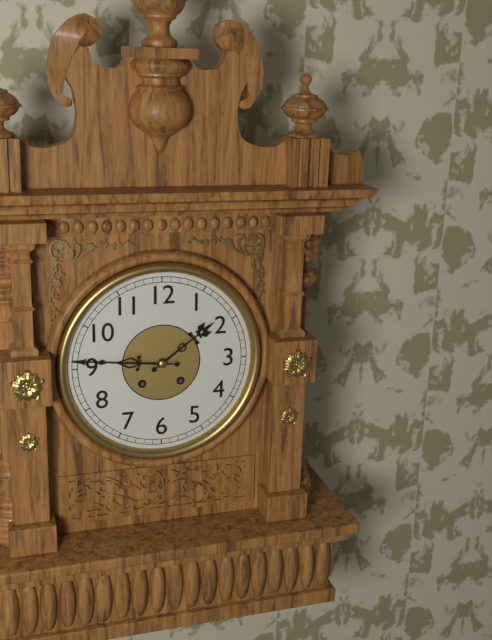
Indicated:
1 h 46 min
